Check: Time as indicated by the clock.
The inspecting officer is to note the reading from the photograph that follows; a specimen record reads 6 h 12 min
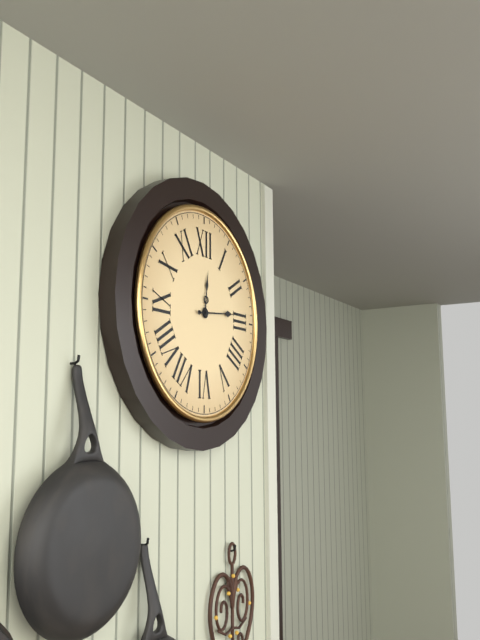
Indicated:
12 h 14 min
